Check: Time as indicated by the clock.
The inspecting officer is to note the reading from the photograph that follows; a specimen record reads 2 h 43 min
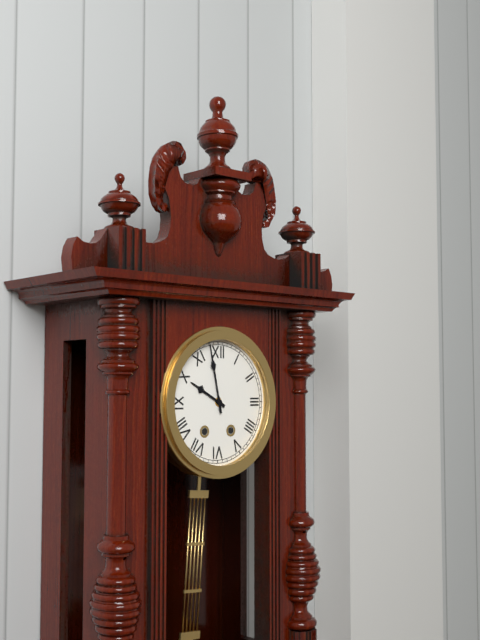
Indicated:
9 h 58 min
